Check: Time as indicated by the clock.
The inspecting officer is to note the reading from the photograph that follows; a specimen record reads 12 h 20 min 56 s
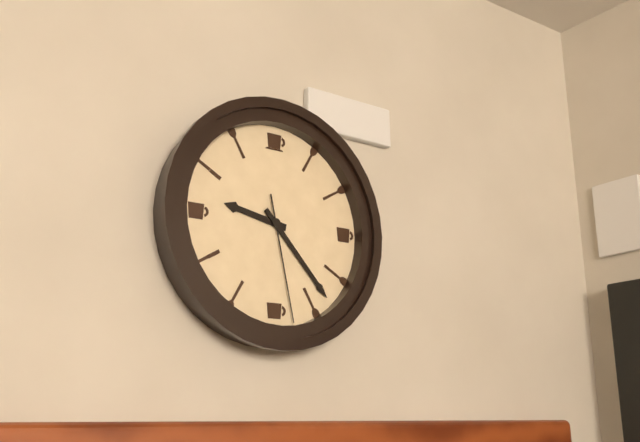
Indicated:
9 h 23 min 28 s
